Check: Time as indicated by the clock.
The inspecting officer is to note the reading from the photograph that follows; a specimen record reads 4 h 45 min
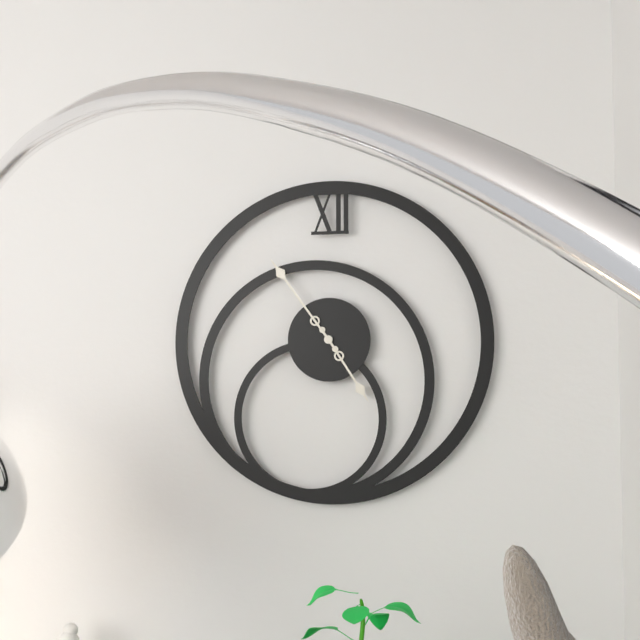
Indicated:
4 h 54 min
